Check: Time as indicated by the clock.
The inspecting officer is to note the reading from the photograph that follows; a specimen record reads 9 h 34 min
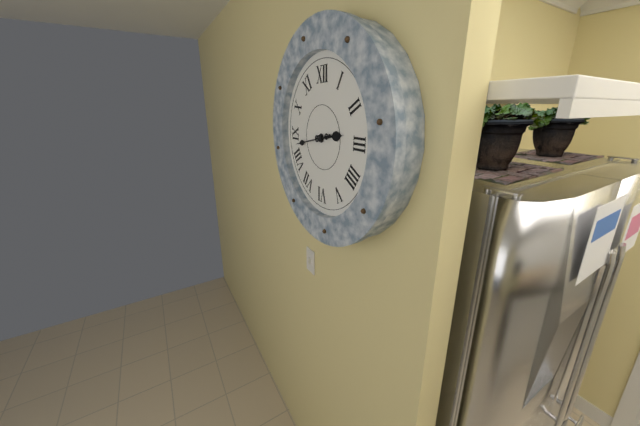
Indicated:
2 h 43 min
